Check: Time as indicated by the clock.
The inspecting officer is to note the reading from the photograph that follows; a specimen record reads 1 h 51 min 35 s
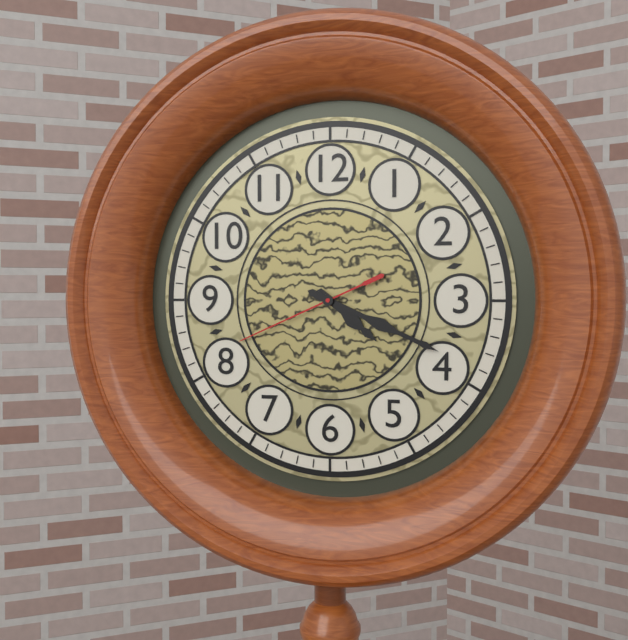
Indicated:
4 h 19 min 41 s
